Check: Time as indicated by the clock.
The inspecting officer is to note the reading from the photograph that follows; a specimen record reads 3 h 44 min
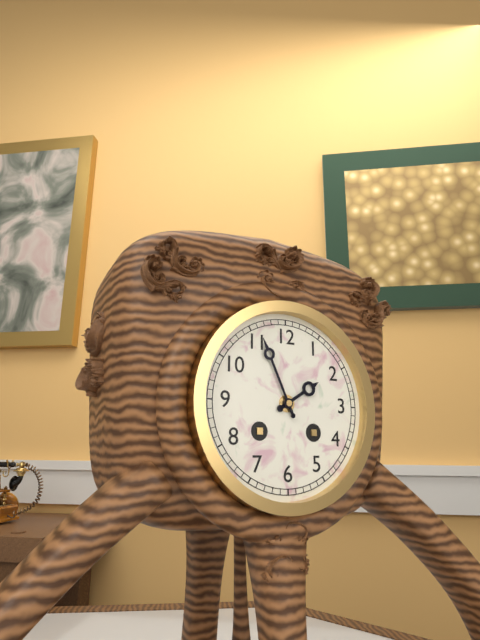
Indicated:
1 h 56 min
